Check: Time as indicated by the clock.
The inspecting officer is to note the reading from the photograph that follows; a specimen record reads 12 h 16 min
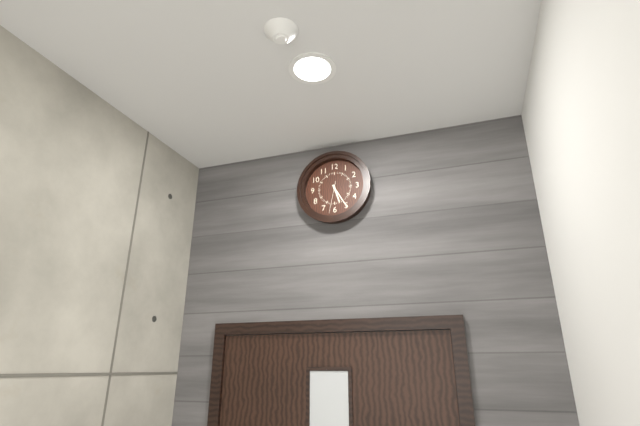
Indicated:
5 h 25 min
